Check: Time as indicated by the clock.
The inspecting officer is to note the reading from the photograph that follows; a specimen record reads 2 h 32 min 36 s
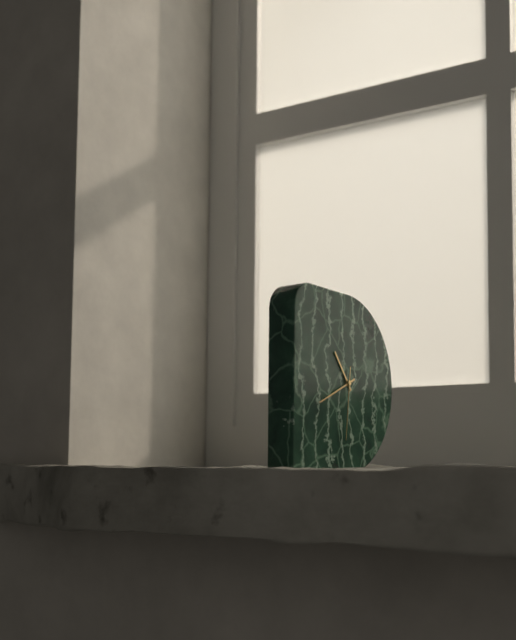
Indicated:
10 h 41 min 31 s
